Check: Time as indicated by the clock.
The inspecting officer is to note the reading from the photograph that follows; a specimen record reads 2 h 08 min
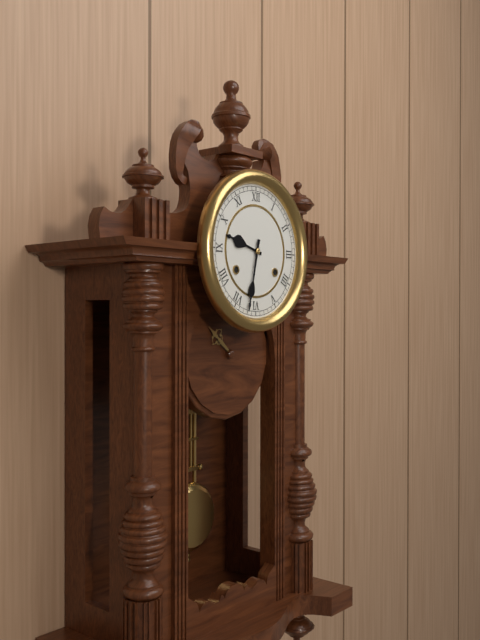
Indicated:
9 h 32 min
